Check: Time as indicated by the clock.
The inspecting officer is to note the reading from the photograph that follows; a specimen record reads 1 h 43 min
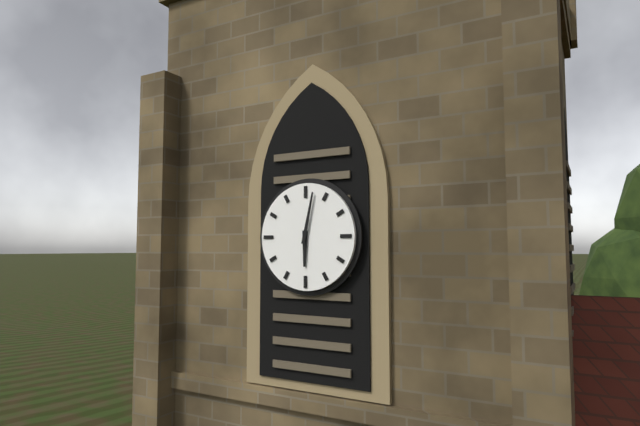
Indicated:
6 h 02 min
